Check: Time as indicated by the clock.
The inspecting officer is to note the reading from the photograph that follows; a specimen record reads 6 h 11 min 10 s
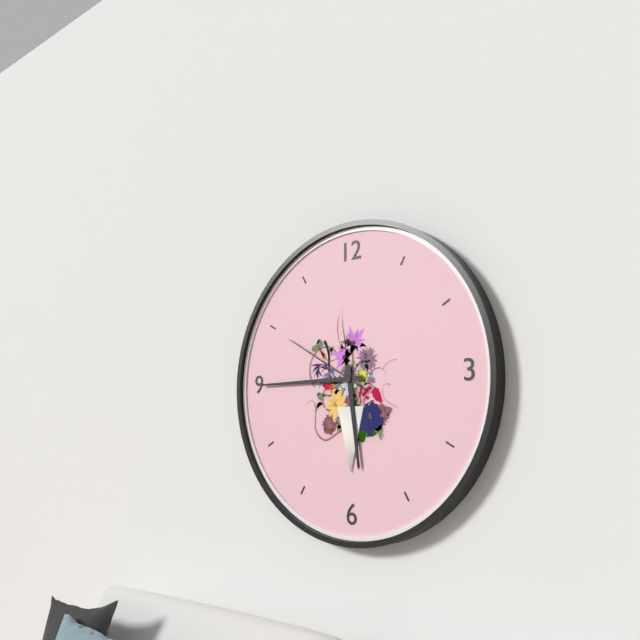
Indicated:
5 h 45 min 50 s
